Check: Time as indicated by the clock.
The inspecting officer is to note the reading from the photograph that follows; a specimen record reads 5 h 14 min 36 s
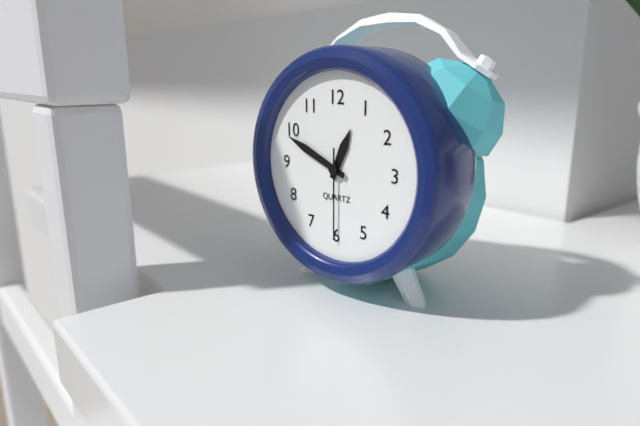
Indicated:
12 h 49 min 30 s
